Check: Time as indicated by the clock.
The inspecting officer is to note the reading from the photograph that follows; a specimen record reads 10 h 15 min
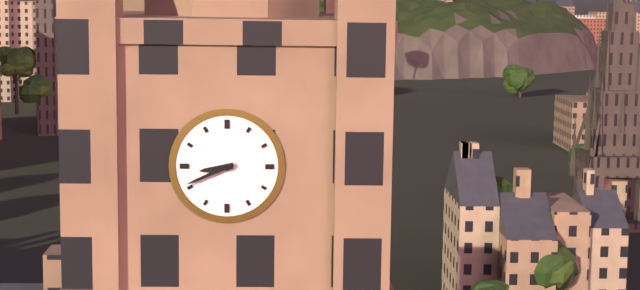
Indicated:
8 h 41 min
